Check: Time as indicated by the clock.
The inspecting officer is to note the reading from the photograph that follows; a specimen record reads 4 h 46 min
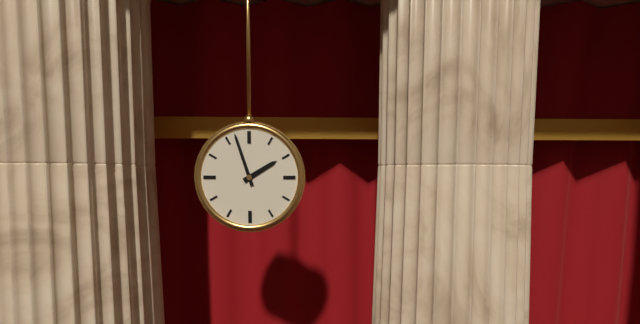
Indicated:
1 h 57 min
